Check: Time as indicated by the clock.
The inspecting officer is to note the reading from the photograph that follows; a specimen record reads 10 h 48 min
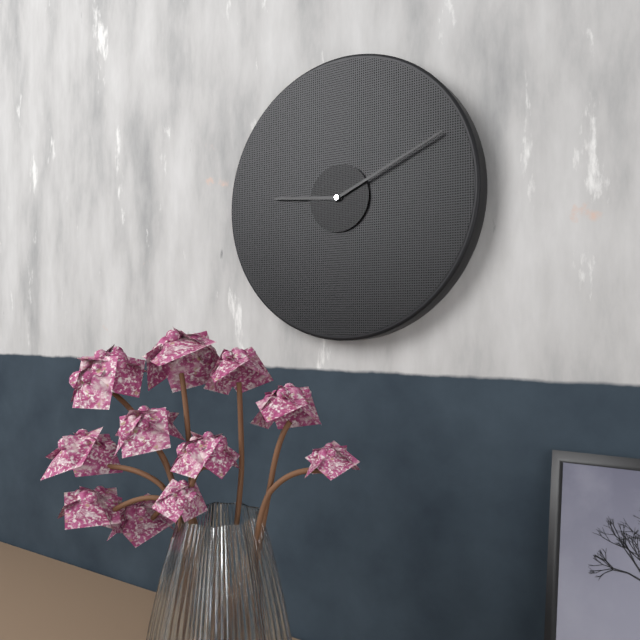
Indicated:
9 h 11 min
